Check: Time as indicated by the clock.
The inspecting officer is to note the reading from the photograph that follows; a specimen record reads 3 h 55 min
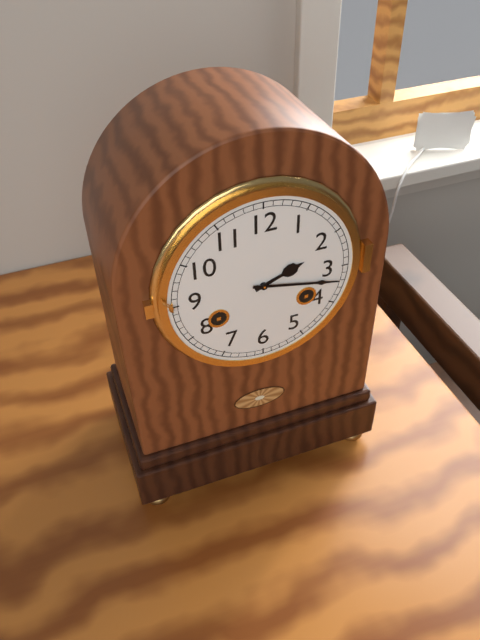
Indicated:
2 h 17 min
